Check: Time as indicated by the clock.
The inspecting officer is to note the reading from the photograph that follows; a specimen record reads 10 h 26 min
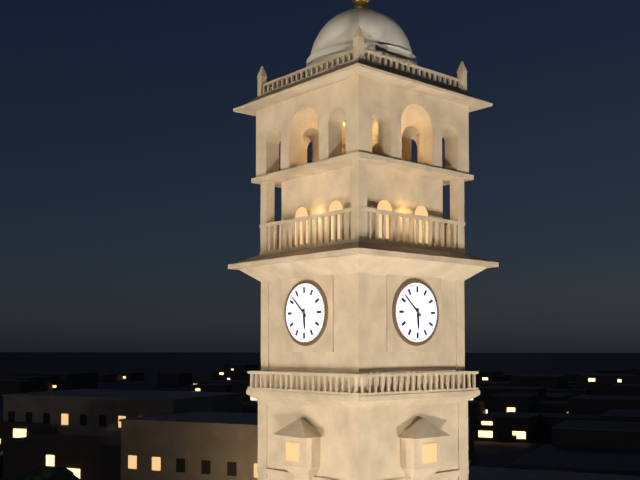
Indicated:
5 h 52 min
